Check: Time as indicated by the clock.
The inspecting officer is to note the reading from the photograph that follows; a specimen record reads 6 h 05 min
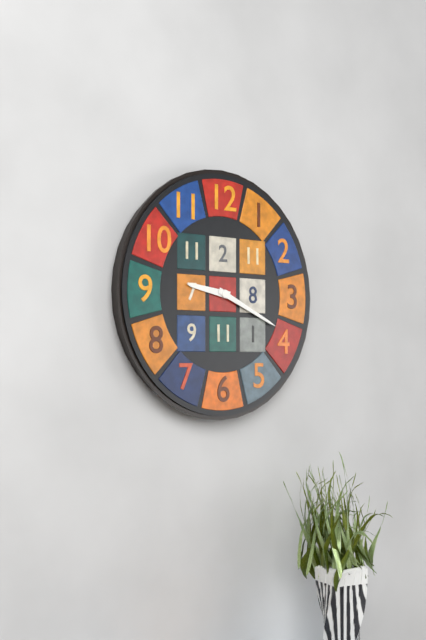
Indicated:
9 h 19 min
